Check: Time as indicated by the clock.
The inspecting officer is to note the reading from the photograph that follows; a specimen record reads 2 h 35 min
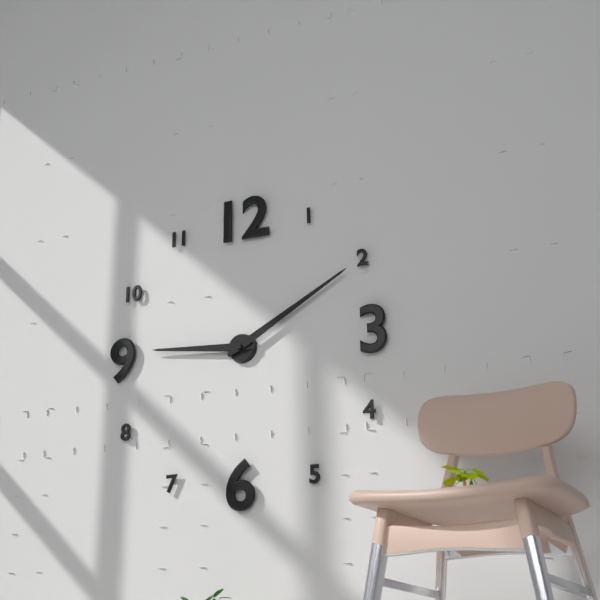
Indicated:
9 h 10 min
